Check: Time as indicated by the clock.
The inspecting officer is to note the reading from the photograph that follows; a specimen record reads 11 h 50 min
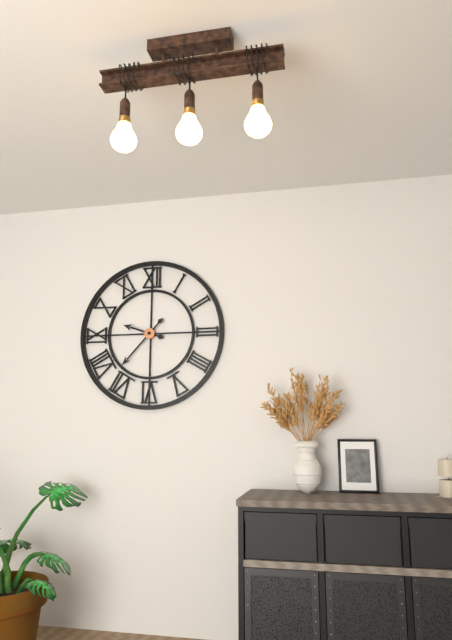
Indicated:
9 h 37 min
